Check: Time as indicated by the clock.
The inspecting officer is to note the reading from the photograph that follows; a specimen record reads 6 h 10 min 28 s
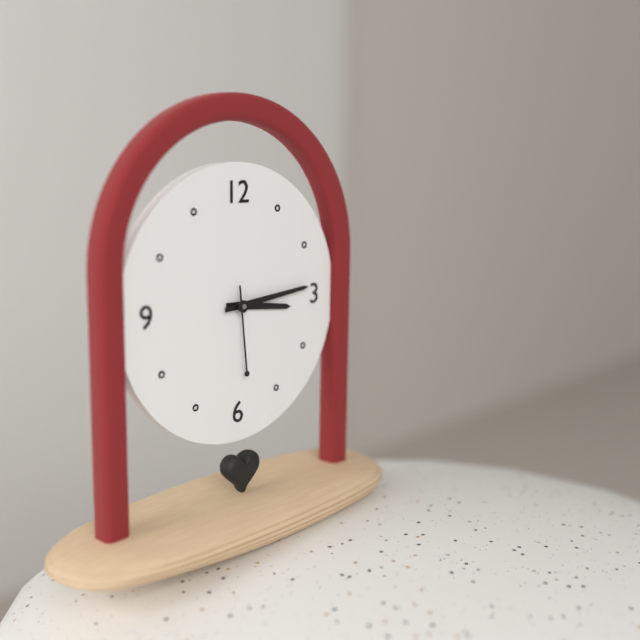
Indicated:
3 h 14 min 29 s
